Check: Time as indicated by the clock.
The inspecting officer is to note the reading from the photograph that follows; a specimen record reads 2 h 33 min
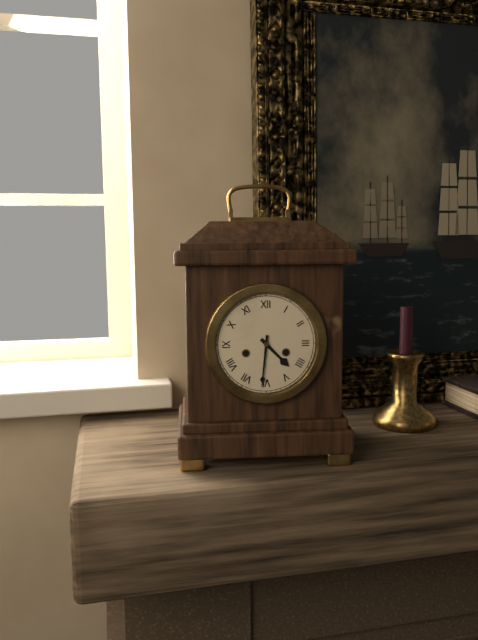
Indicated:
4 h 31 min
